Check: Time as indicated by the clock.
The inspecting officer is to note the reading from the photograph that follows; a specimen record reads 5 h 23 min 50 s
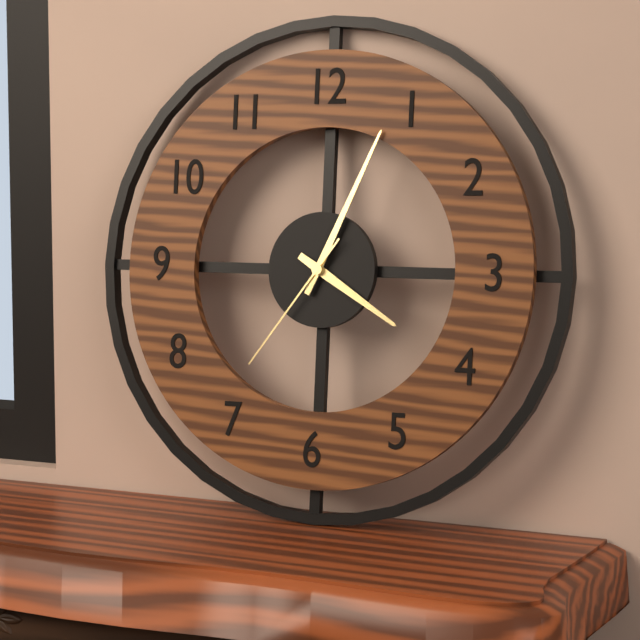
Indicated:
4 h 04 min 36 s
